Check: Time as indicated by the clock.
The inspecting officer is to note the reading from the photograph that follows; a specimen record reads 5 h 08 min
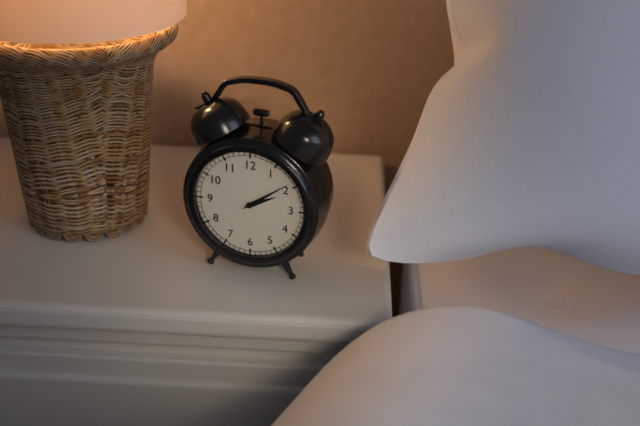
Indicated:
2 h 09 min
